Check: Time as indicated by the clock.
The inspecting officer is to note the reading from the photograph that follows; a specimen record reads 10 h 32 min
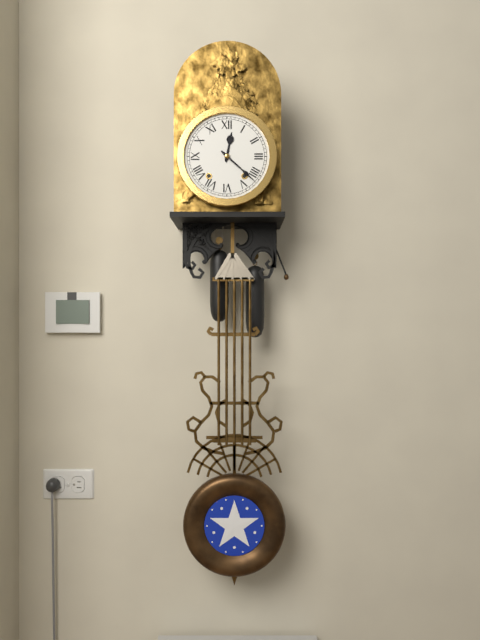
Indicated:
12 h 22 min
